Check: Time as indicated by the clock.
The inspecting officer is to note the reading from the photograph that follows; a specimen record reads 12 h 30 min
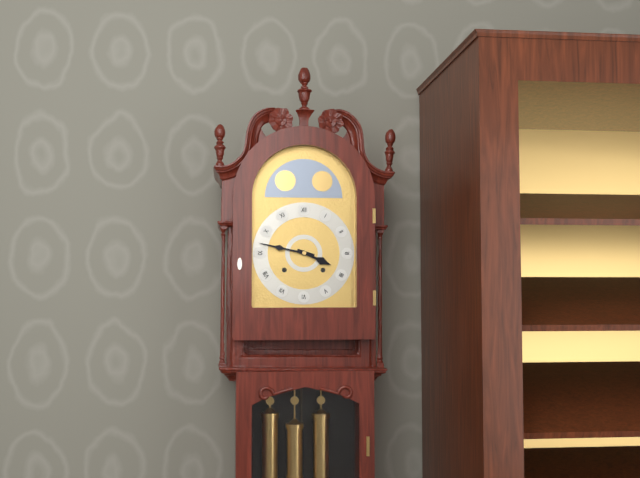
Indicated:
3 h 47 min
